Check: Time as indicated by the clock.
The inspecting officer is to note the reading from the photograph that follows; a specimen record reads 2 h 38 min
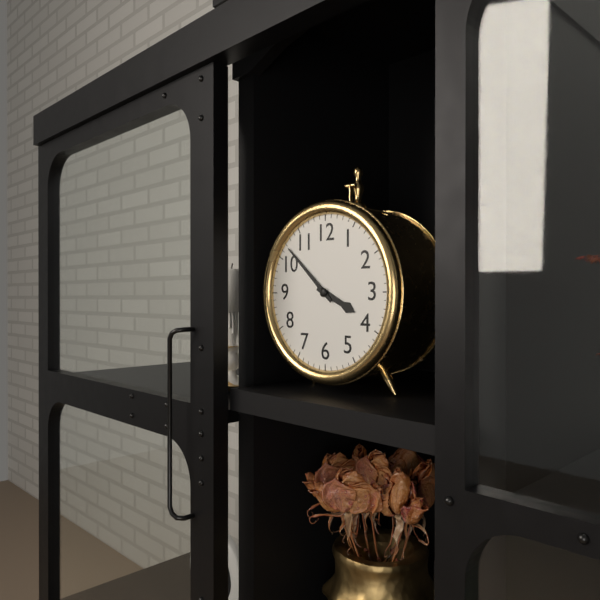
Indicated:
3 h 52 min
